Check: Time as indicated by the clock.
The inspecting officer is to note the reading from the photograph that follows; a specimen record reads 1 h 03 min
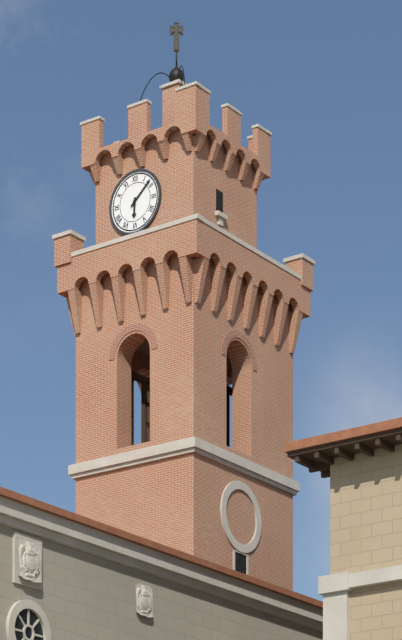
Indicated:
6 h 08 min
